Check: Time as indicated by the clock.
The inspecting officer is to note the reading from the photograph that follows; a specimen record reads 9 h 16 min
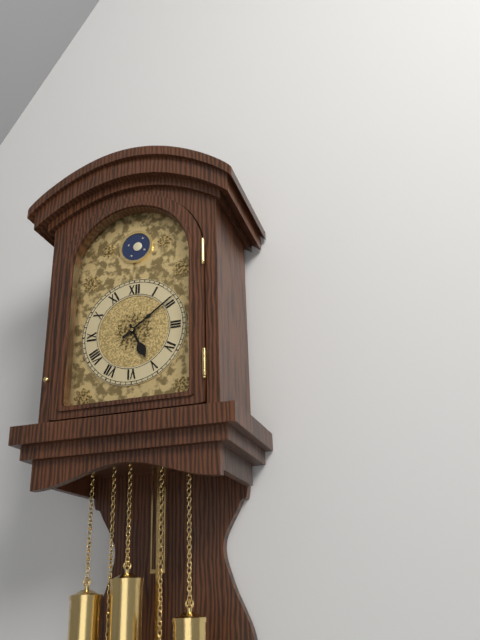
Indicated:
5 h 09 min
